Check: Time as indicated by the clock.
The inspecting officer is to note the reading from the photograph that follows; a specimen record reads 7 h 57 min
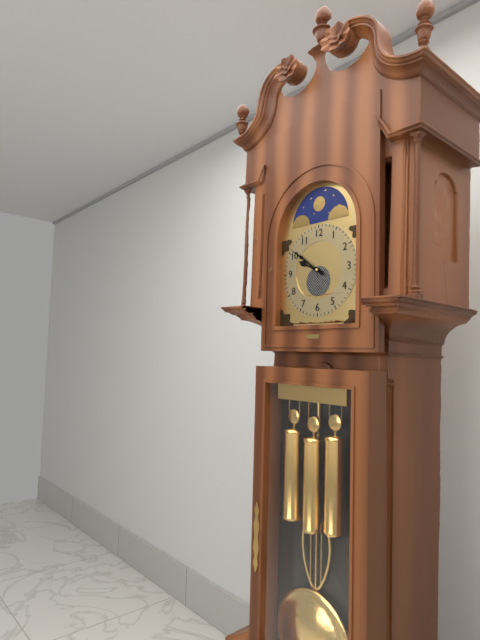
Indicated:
9 h 51 min
